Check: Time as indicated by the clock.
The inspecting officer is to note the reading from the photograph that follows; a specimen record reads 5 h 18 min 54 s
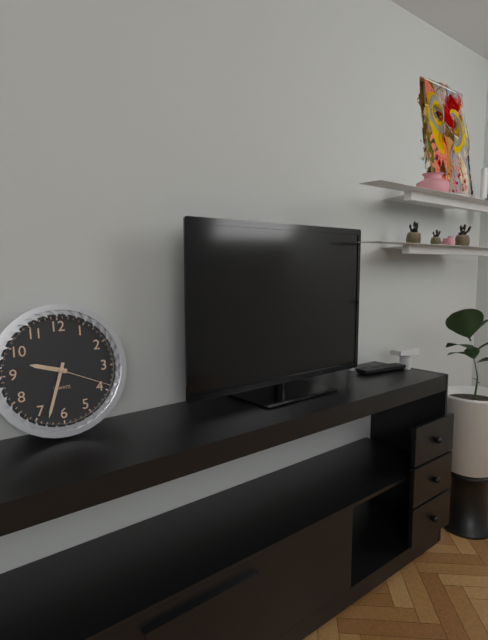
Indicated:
9 h 33 min 19 s
